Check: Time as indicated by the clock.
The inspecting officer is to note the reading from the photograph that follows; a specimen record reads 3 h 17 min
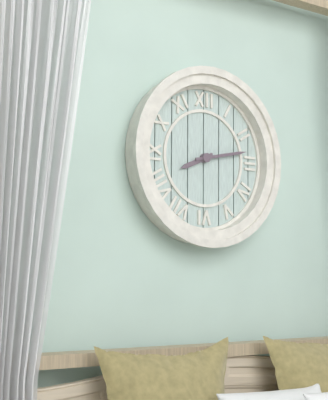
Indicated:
8 h 13 min
